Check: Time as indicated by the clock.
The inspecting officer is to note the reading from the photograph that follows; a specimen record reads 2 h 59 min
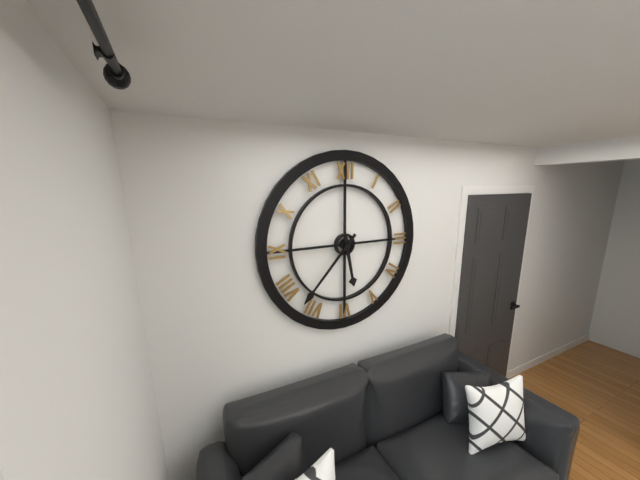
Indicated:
5 h 37 min
